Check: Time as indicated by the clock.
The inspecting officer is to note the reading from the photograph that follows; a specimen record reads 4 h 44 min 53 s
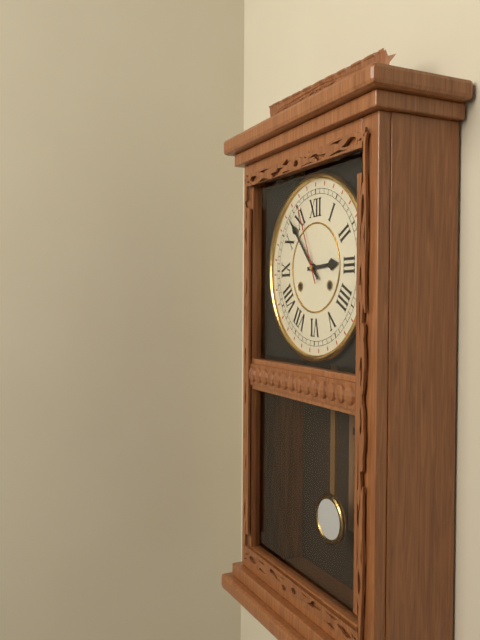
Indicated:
2 h 53 min 56 s
